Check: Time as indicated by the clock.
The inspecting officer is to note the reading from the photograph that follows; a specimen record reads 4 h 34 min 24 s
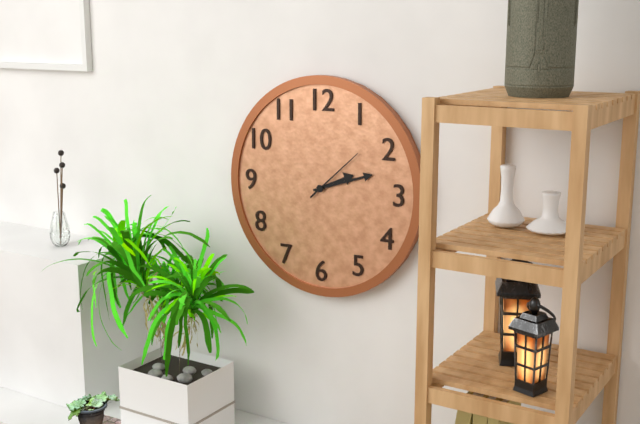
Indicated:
2 h 12 min 08 s
